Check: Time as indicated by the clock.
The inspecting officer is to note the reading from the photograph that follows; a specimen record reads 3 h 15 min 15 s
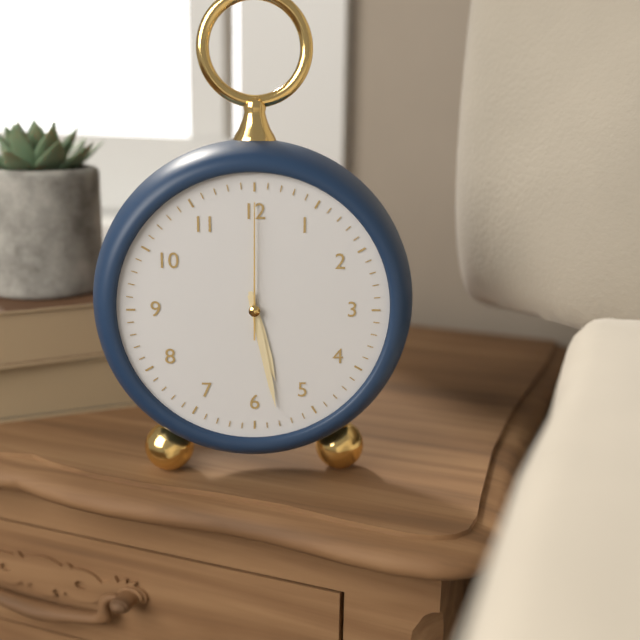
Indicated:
5 h 28 min 00 s
